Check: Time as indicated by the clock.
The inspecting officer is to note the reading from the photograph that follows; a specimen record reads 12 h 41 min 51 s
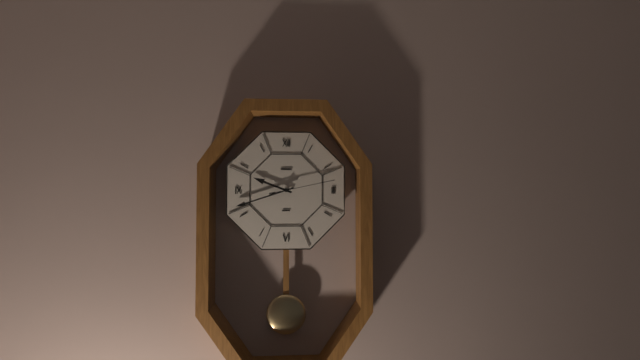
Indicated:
9 h 42 min 13 s
